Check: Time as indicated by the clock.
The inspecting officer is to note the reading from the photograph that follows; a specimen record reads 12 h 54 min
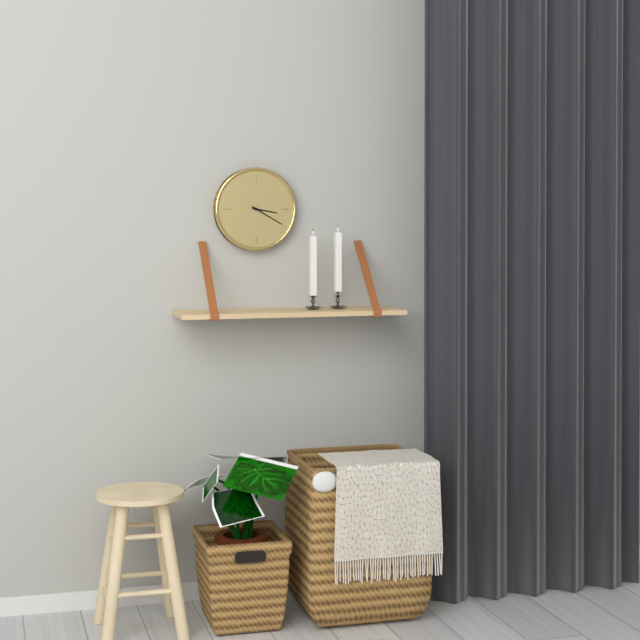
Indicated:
3 h 20 min
